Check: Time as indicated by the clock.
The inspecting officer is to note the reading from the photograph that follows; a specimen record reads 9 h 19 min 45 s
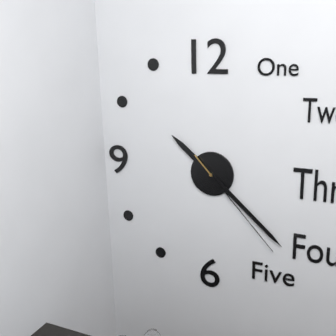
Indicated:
10 h 22 min 23 s
